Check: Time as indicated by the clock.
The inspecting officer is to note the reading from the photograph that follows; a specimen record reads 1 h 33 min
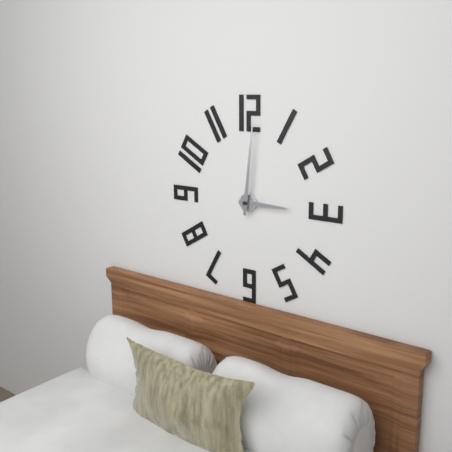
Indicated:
3 h 01 min
